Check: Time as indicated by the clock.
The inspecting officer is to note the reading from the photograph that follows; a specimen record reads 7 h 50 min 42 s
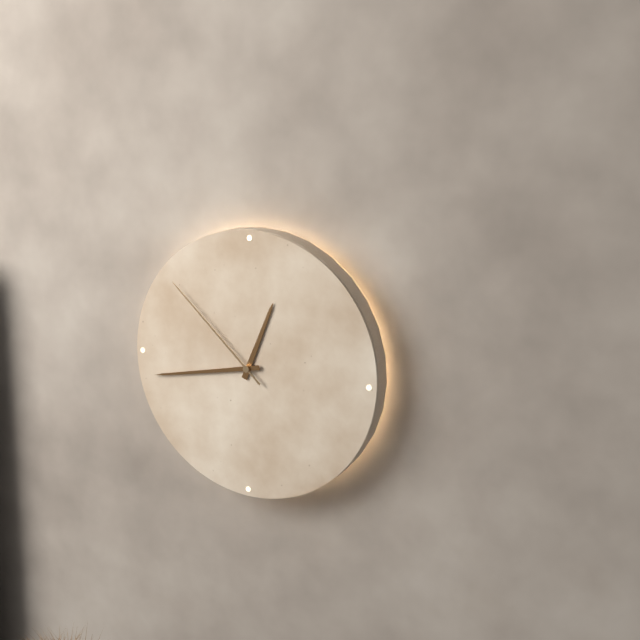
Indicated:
12 h 43 min 52 s
